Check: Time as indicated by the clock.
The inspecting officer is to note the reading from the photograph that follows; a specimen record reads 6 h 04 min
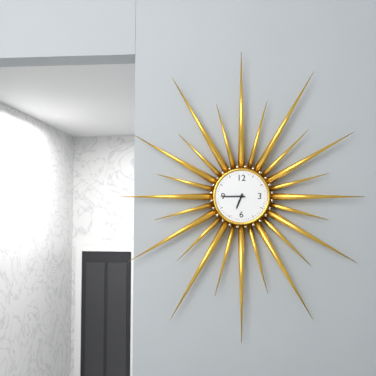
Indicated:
6 h 45 min
